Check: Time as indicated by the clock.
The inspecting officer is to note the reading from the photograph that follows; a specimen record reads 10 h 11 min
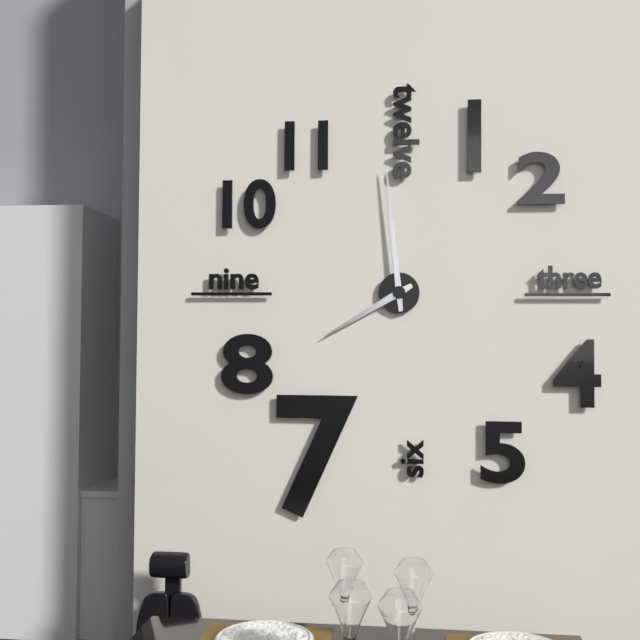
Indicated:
7 h 59 min
